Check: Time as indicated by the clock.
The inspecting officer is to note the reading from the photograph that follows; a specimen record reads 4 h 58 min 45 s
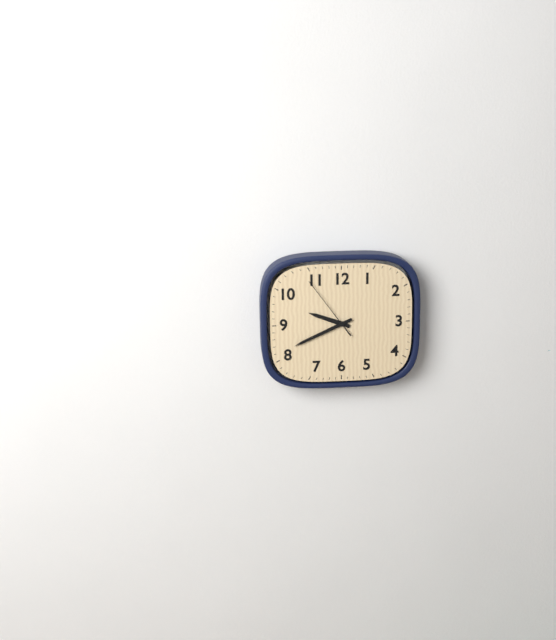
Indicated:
9 h 41 min 54 s
